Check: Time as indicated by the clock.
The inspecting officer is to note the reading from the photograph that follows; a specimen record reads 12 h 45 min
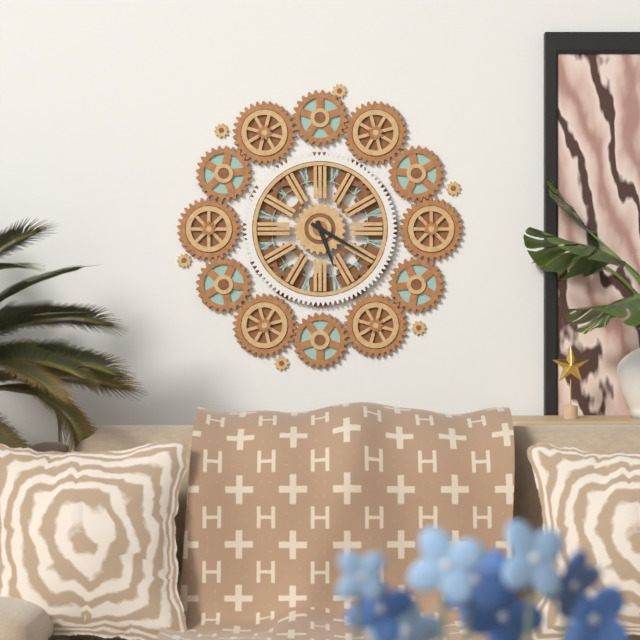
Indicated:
5 h 20 min
